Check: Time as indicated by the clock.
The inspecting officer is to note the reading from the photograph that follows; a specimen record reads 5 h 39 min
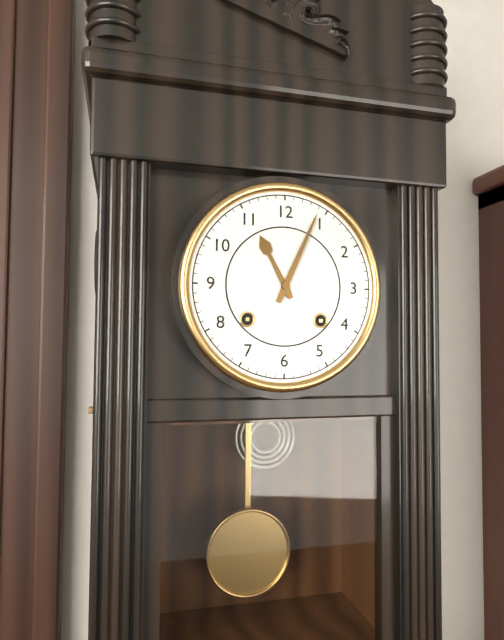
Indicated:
11 h 04 min
